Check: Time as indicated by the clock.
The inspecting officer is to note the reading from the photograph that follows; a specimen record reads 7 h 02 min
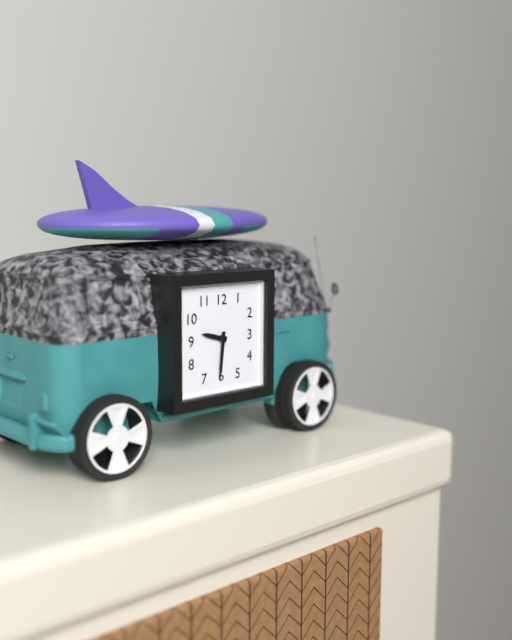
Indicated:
9 h 31 min
